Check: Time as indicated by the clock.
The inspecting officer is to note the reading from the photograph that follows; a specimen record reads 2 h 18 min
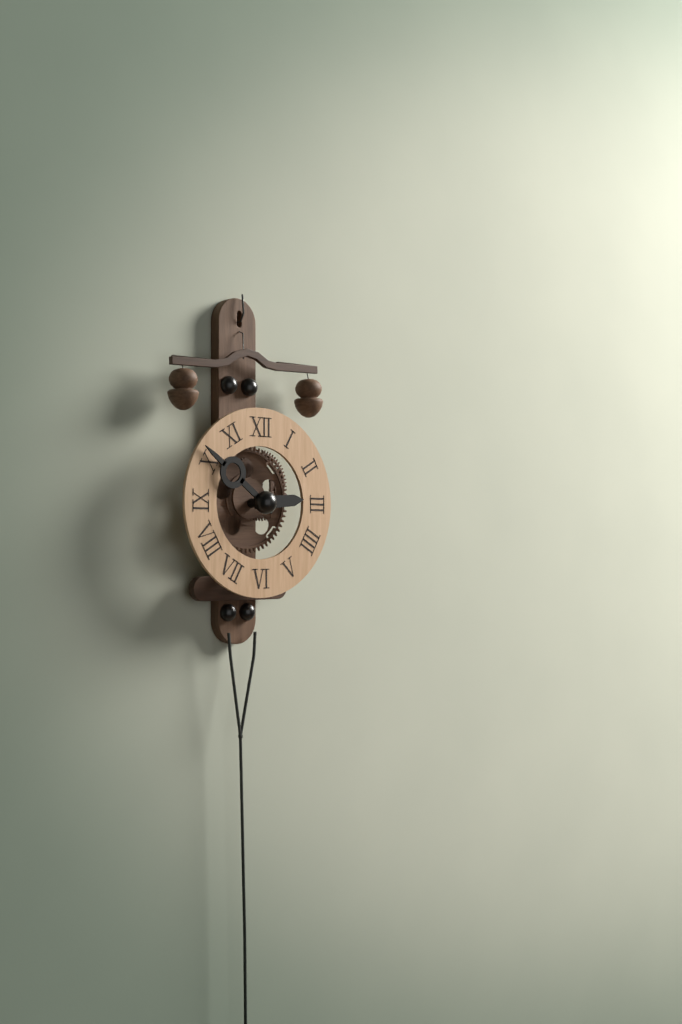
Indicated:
2 h 51 min
